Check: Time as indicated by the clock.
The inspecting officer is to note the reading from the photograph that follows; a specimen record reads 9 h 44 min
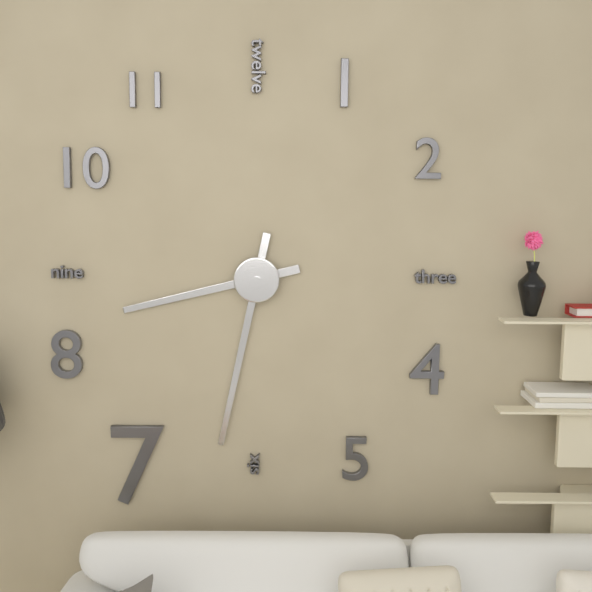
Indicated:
8 h 32 min
